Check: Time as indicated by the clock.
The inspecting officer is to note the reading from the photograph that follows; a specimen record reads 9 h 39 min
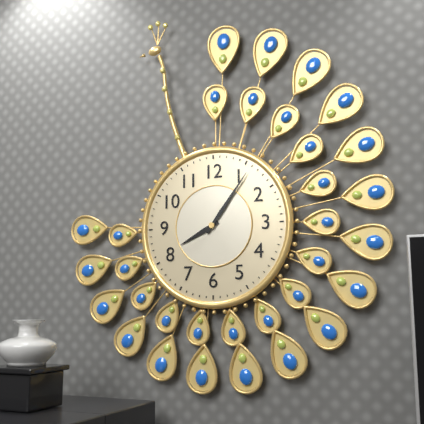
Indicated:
8 h 06 min
